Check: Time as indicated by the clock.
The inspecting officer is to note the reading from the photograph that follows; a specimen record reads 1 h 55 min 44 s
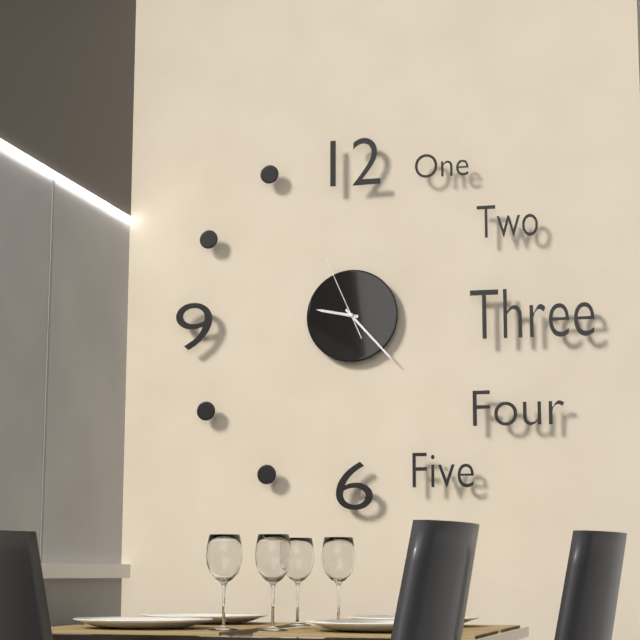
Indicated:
9 h 23 min 56 s
